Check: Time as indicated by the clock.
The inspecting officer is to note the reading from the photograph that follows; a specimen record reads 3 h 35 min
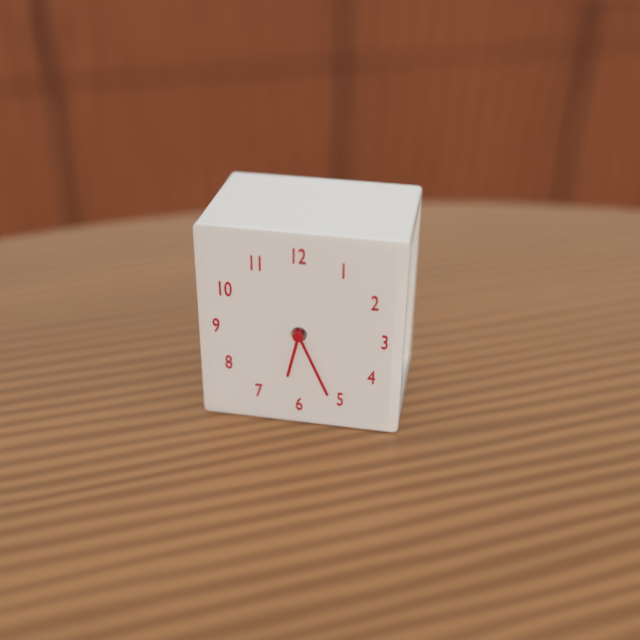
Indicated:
6 h 26 min
